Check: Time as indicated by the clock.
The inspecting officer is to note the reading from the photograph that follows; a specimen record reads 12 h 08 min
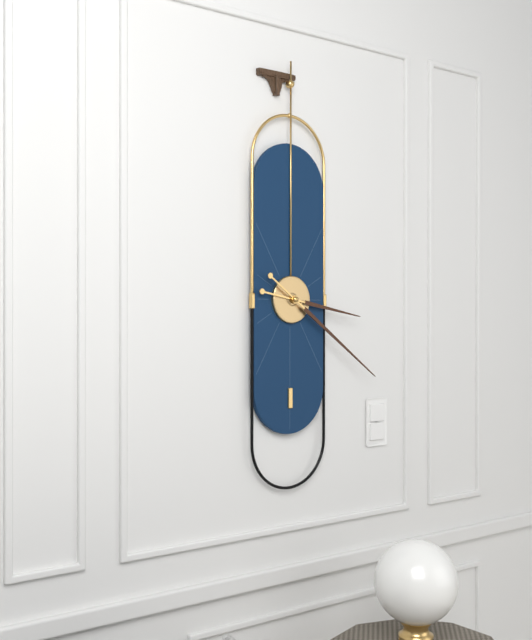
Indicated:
3 h 21 min
